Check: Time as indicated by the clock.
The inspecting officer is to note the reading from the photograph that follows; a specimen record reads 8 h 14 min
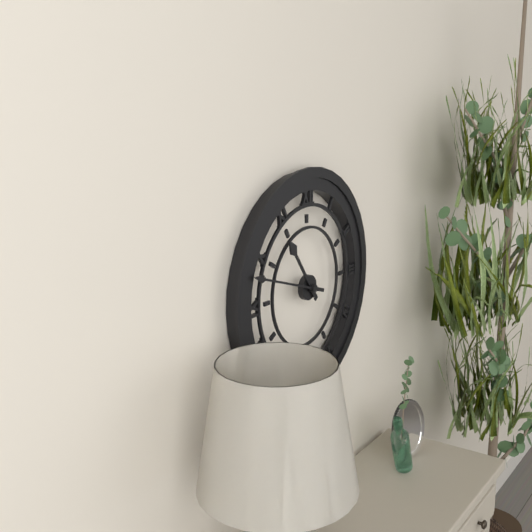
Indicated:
10 h 48 min
